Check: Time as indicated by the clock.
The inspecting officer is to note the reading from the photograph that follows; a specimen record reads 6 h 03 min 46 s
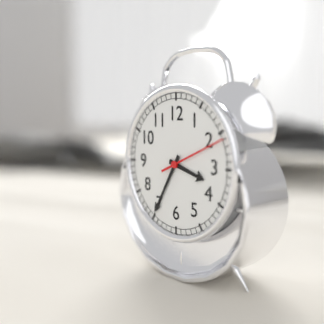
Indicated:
3 h 35 min 11 s
